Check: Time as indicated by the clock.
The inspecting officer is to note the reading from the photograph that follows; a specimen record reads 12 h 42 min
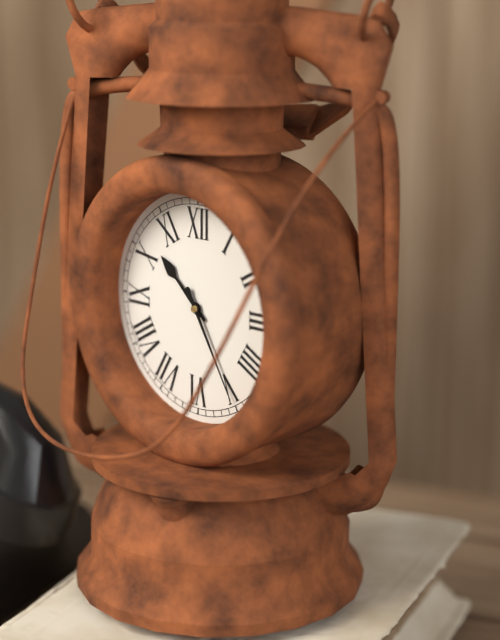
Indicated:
10 h 25 min
